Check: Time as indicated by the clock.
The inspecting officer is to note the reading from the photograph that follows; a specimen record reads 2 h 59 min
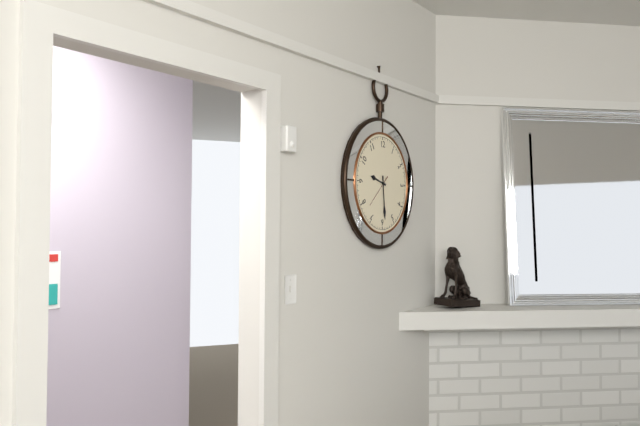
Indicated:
9 h 29 min
